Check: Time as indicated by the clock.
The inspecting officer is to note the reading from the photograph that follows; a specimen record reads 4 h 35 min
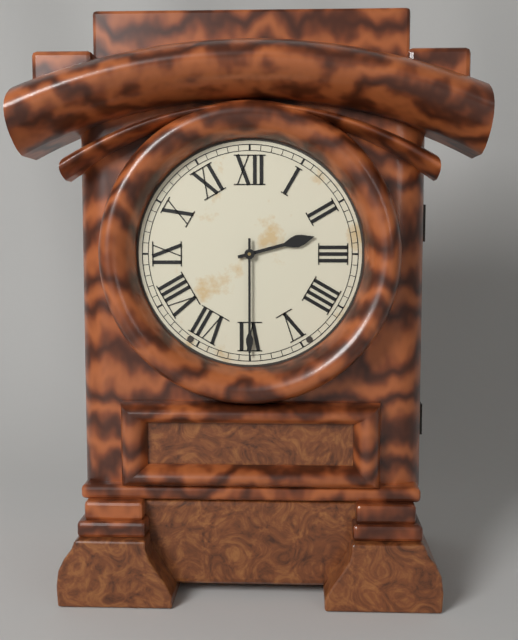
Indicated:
2 h 30 min
